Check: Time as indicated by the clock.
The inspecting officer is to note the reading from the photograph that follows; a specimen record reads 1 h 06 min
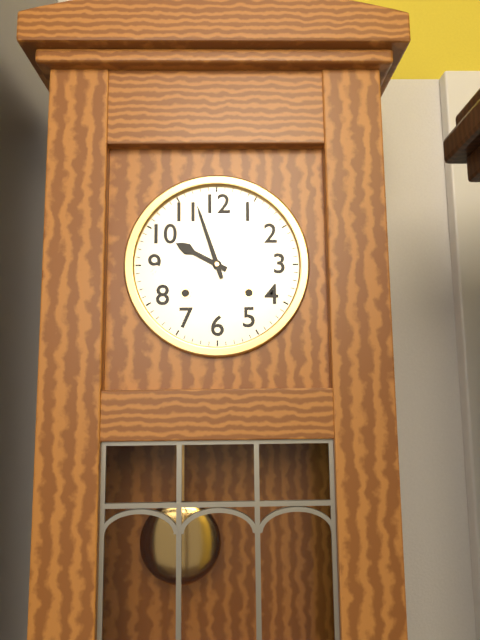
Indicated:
9 h 57 min
